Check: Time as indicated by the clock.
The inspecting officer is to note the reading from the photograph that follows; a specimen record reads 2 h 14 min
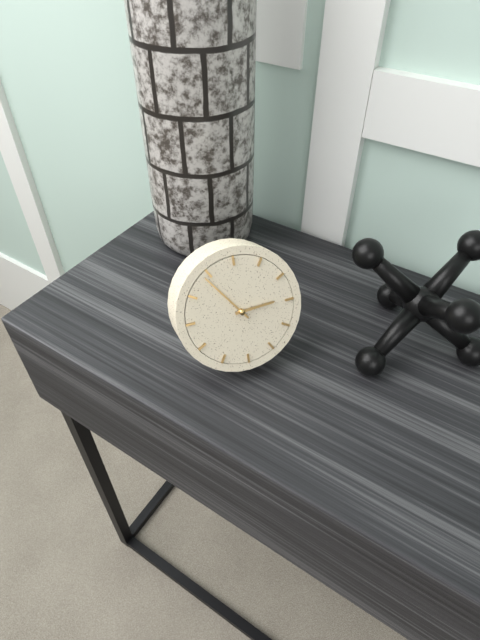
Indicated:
2 h 54 min
